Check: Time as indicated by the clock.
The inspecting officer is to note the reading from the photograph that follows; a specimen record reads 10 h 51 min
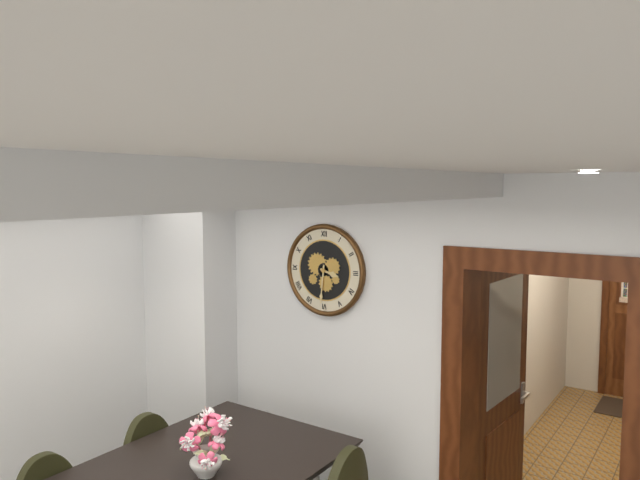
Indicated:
3 h 31 min
